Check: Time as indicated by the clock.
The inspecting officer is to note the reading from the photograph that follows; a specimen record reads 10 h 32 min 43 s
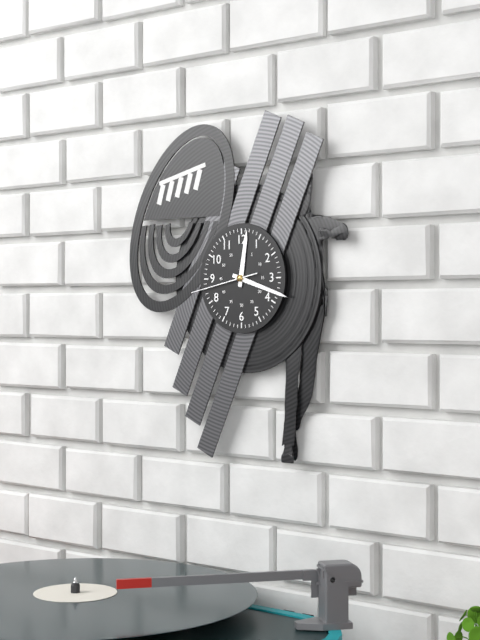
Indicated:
12 h 18 min 43 s
